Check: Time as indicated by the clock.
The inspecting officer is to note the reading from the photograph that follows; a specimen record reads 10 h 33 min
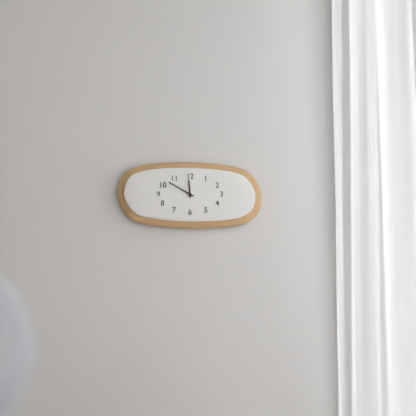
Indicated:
11 h 50 min
